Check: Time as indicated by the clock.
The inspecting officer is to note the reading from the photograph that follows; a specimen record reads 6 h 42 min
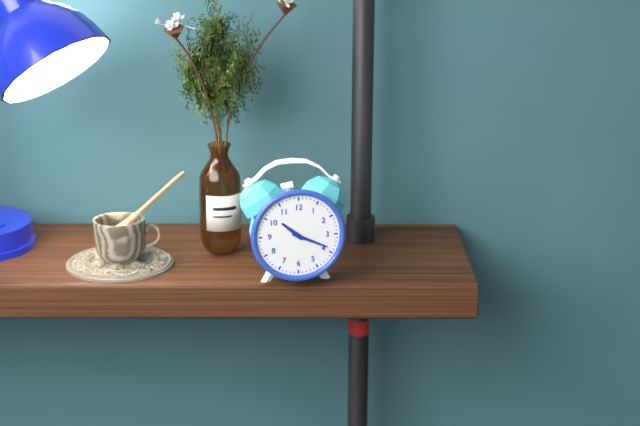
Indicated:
10 h 19 min
